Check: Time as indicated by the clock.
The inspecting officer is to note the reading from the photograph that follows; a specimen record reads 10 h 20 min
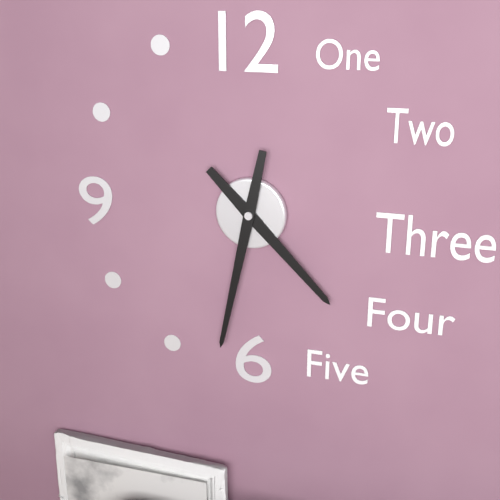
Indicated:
4 h 32 min
